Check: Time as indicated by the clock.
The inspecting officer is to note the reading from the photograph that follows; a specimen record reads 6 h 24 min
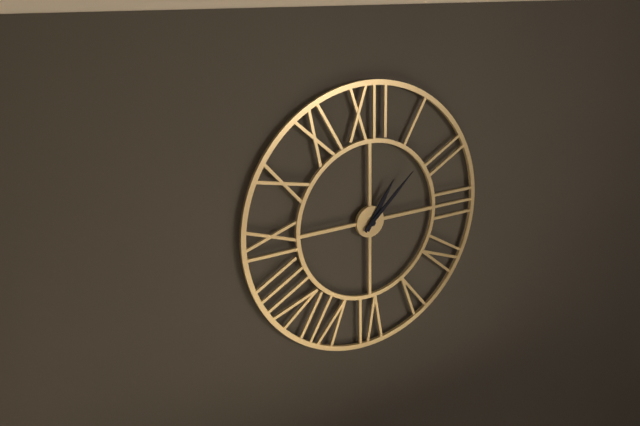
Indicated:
1 h 08 min
